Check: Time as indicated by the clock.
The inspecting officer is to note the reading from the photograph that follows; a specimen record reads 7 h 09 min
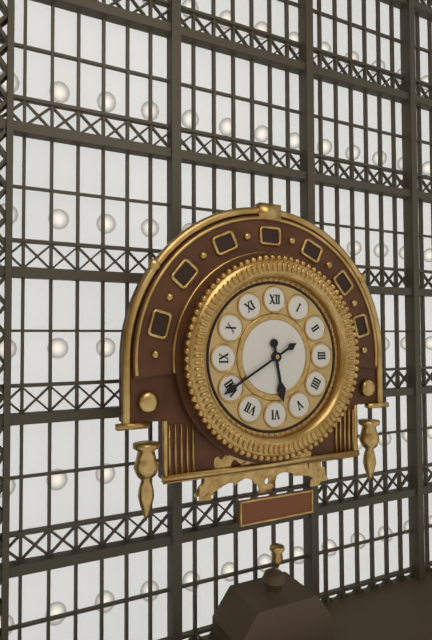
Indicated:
5 h 40 min
